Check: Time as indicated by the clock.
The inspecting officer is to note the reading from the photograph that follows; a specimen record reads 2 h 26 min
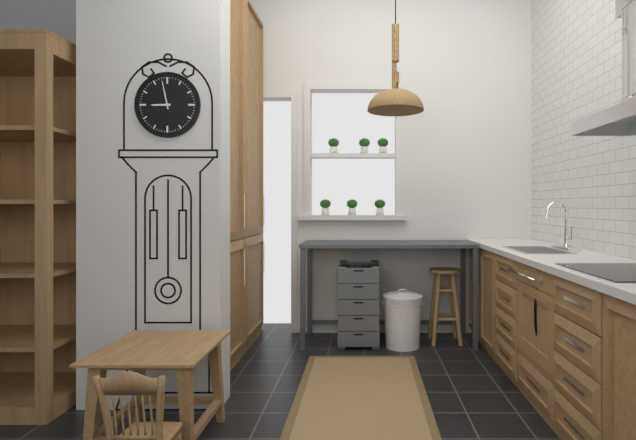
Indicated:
8 h 58 min
